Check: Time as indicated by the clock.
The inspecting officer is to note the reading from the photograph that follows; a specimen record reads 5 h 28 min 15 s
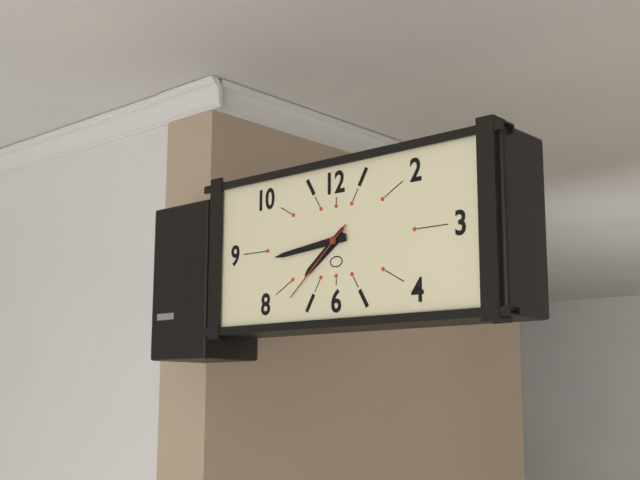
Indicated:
7 h 44 min 38 s
